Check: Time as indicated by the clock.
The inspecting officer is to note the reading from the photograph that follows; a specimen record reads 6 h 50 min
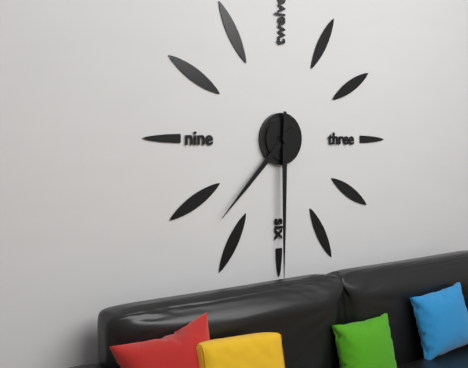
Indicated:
7 h 30 min
